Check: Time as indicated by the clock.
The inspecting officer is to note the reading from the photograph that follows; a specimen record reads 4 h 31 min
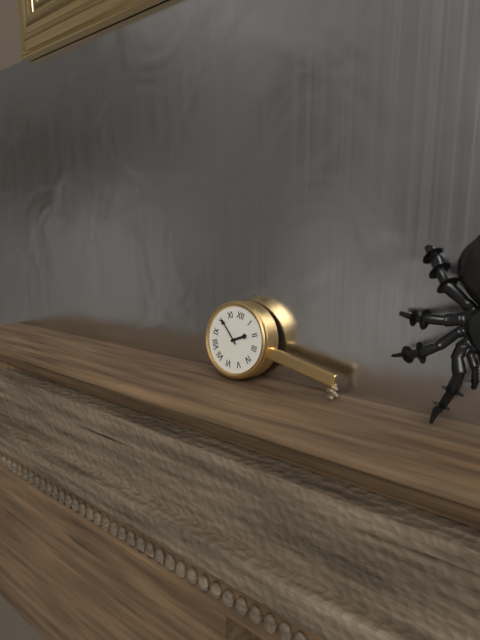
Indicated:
1 h 51 min
